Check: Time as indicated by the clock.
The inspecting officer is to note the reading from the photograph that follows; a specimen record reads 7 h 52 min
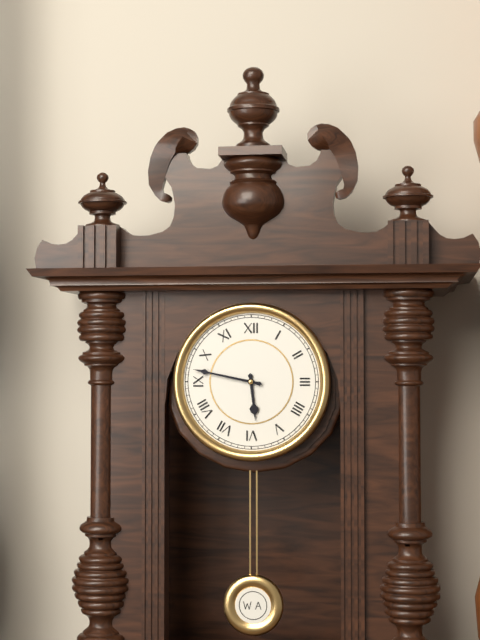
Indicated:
5 h 47 min
